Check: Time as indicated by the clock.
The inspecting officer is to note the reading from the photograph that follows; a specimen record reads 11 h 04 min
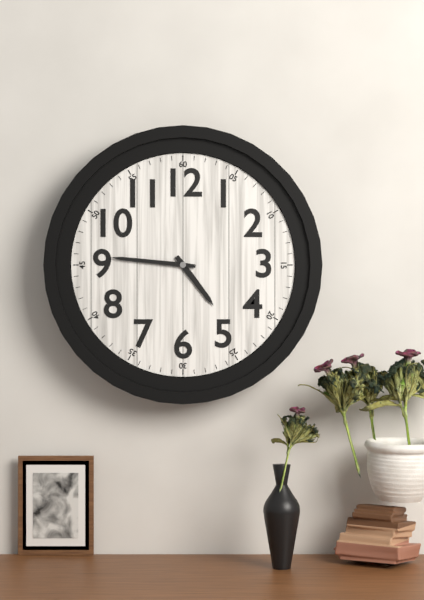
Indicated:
4 h 46 min
